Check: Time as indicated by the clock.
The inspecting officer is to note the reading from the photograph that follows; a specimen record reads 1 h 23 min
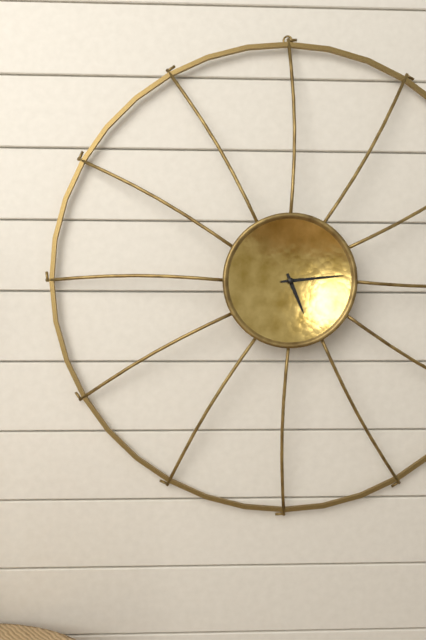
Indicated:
5 h 14 min
